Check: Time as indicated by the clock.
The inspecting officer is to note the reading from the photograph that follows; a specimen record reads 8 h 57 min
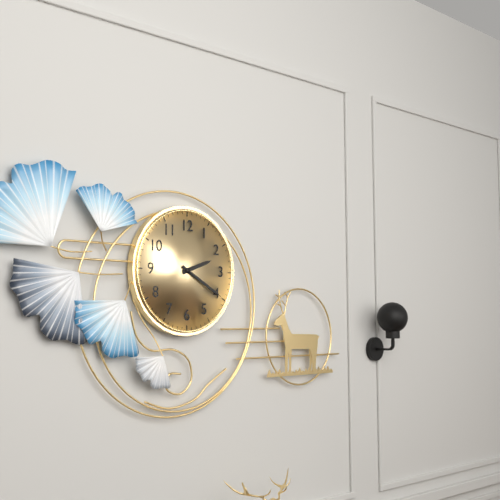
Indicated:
2 h 20 min
